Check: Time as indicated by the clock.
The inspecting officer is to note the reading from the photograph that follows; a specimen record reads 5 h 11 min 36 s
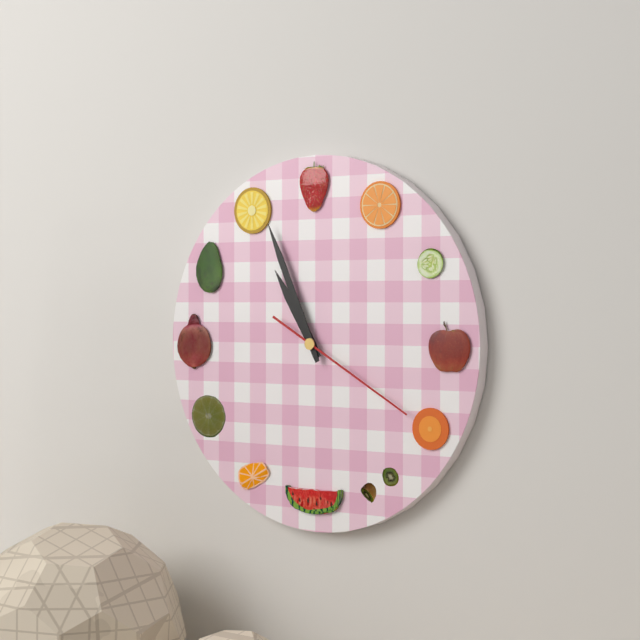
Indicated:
10 h 56 min 20 s
